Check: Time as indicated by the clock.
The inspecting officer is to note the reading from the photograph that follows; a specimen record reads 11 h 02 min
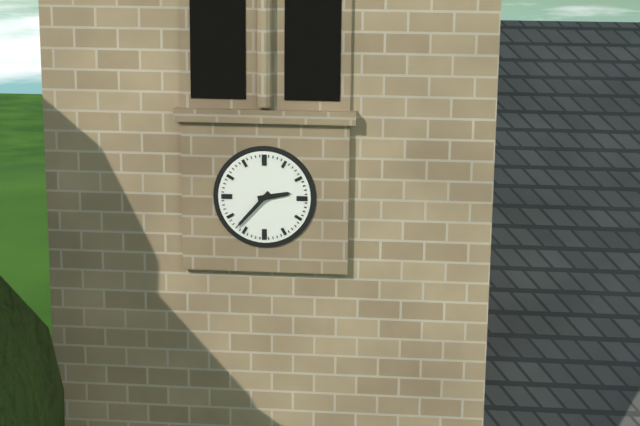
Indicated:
2 h 37 min
